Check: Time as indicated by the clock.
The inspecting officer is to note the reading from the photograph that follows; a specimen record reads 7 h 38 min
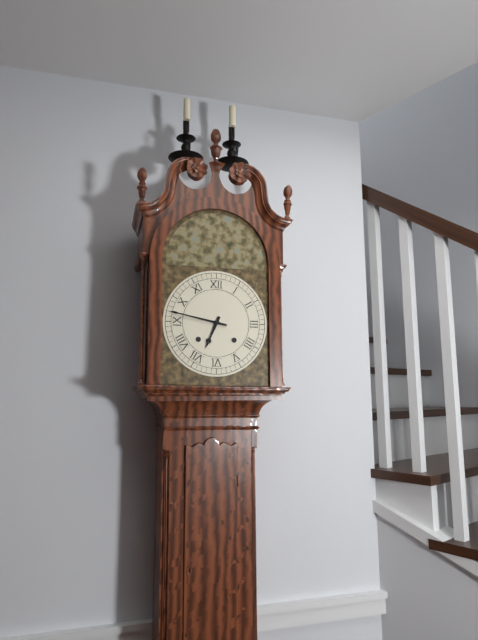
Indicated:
6 h 47 min
